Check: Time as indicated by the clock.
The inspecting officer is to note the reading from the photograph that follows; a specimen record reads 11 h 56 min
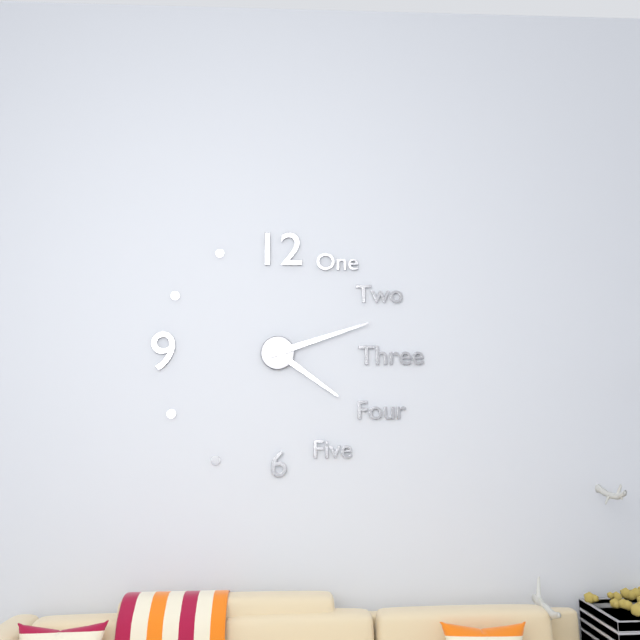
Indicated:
4 h 12 min
